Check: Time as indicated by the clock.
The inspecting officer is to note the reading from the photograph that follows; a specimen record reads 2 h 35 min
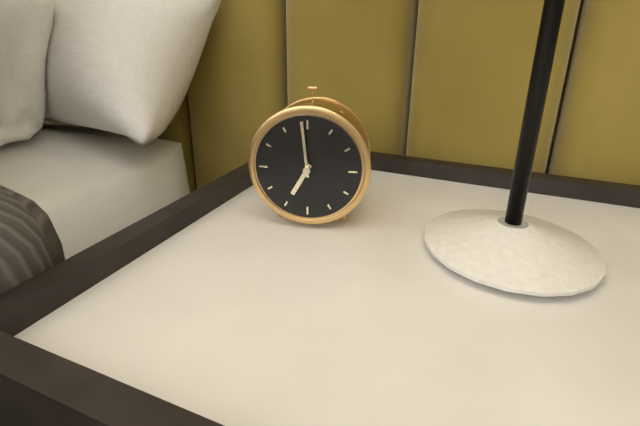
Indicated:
6 h 59 min
